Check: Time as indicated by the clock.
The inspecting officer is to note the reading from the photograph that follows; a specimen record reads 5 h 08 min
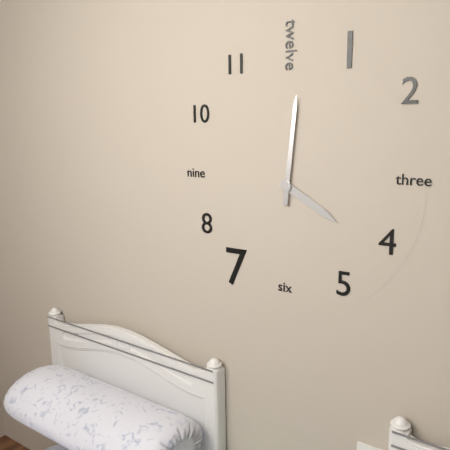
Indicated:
4 h 01 min
